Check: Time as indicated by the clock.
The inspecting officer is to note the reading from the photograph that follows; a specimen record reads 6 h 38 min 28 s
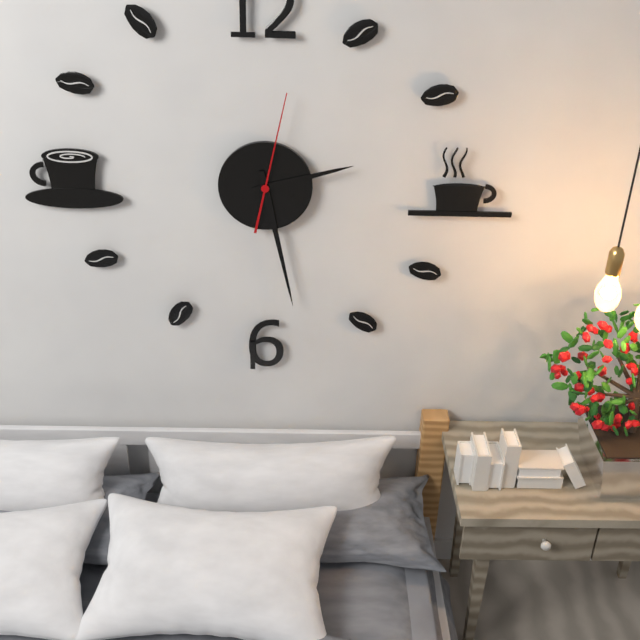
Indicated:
2 h 28 min 02 s
